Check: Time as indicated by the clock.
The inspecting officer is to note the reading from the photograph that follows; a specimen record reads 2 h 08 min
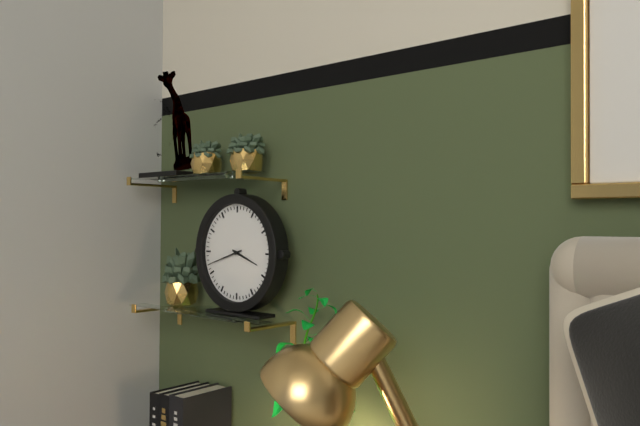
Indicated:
3 h 42 min
